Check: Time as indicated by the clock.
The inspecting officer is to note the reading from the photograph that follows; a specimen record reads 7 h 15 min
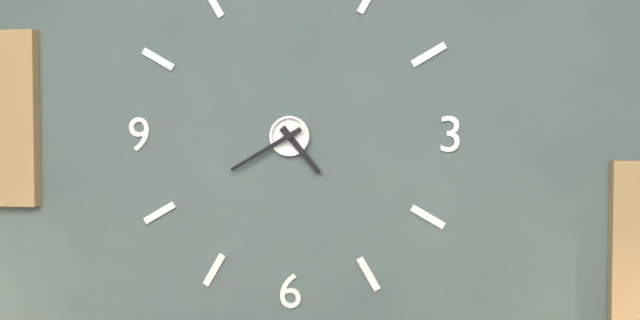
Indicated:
4 h 40 min
